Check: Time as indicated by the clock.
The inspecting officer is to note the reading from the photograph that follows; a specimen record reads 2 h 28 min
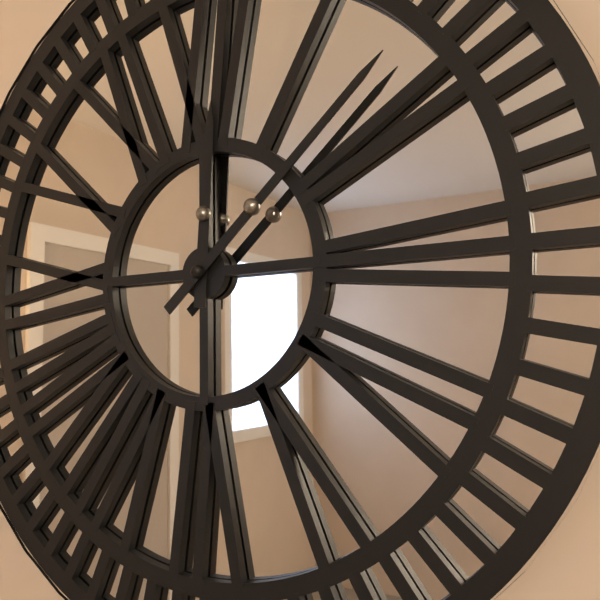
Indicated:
12 h 08 min
